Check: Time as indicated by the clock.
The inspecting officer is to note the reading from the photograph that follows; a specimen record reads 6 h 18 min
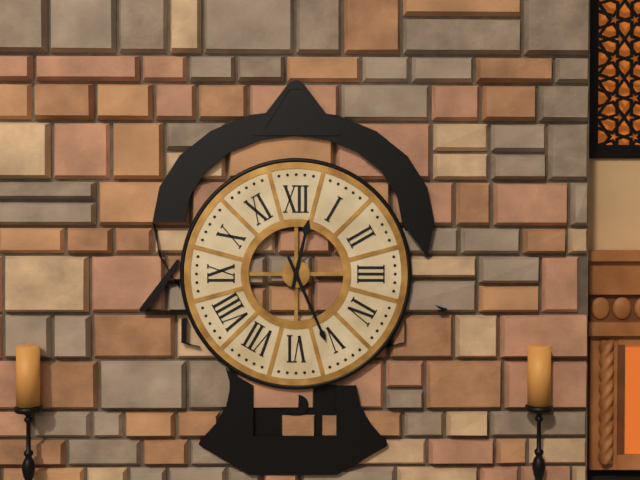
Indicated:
12 h 26 min
